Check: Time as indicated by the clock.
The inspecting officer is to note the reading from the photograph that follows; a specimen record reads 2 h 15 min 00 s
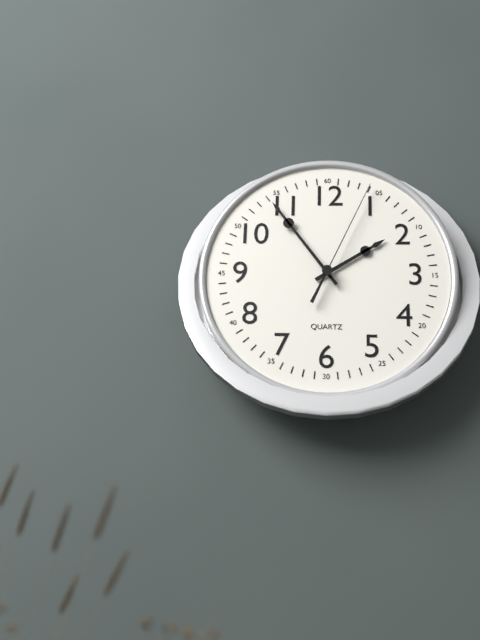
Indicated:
1 h 54 min 04 s
